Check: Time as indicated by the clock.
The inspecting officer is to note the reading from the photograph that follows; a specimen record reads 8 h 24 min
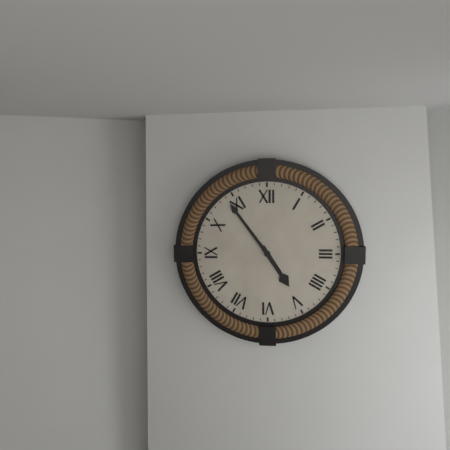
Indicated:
4 h 54 min
